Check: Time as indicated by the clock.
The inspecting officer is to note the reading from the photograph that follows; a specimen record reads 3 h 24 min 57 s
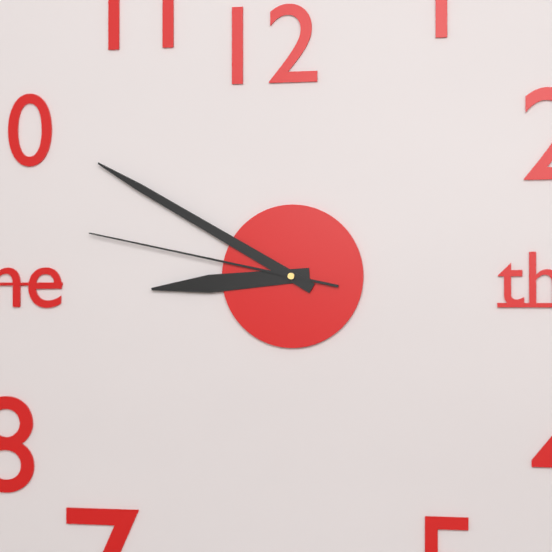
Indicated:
8 h 50 min 47 s
